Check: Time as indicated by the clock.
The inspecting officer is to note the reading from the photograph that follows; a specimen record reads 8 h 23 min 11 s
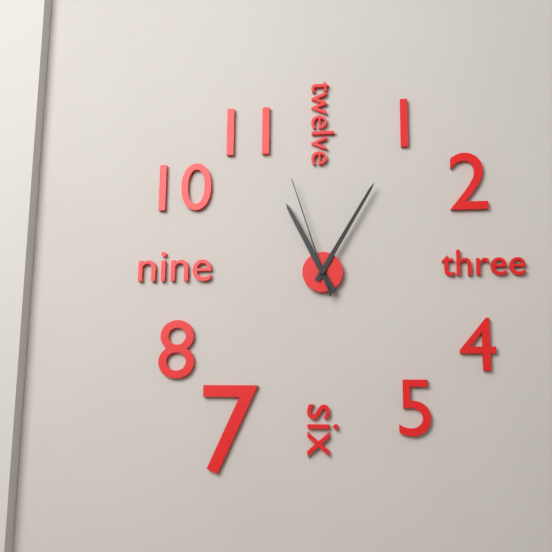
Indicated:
11 h 05 min 57 s
